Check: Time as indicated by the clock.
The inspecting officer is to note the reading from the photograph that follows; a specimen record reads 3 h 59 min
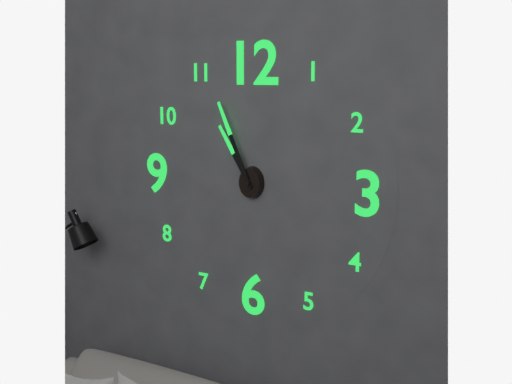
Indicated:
10 h 56 min
